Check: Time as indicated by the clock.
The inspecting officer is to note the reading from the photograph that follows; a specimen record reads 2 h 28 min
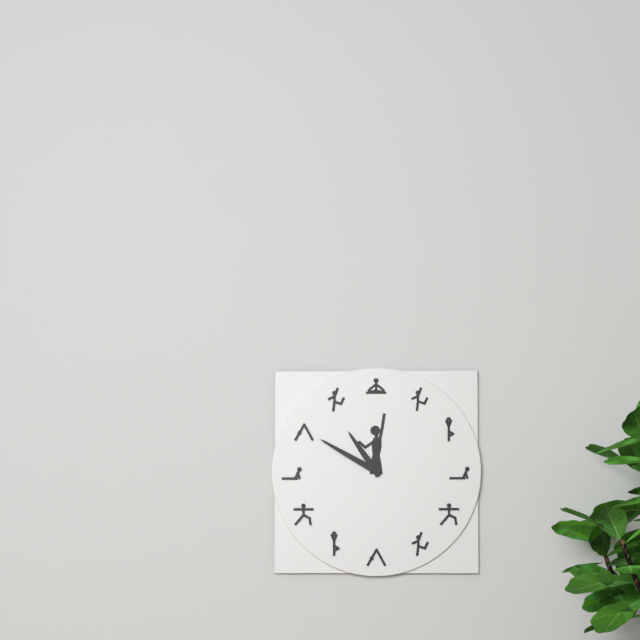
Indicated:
10 h 50 min
